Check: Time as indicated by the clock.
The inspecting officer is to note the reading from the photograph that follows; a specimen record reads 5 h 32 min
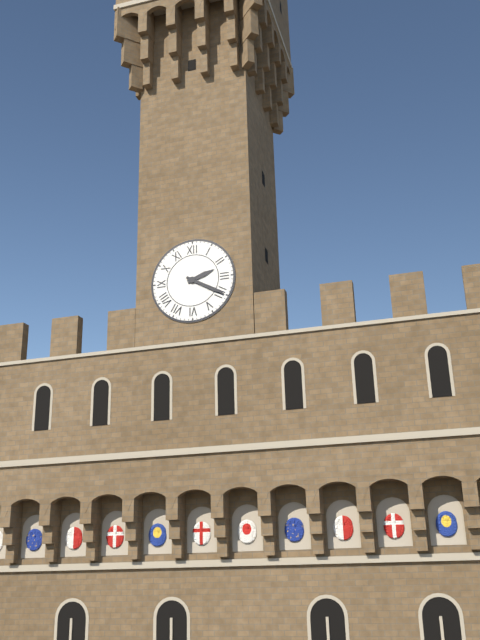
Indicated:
2 h 20 min
